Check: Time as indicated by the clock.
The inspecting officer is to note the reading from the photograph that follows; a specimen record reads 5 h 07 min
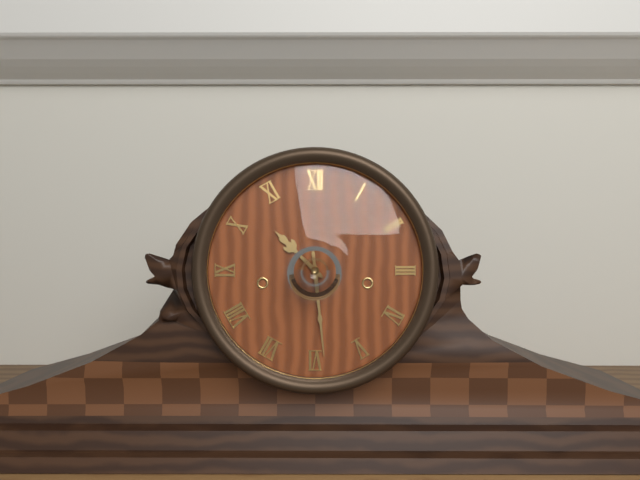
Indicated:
10 h 29 min
